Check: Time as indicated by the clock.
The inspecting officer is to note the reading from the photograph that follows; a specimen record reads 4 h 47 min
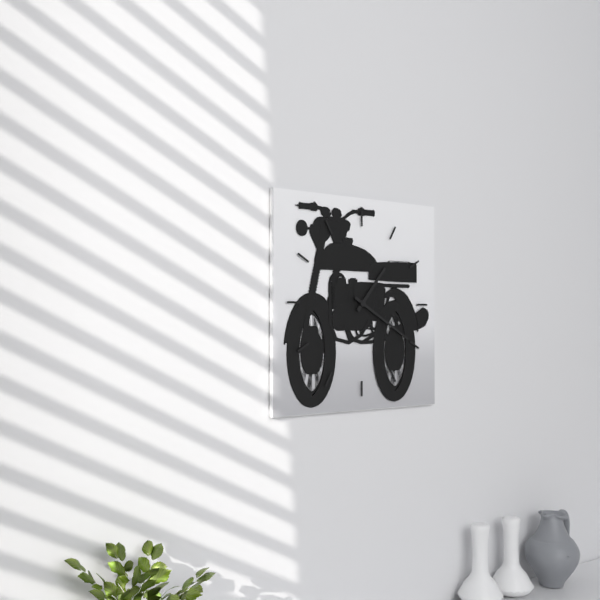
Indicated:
1 h 20 min
